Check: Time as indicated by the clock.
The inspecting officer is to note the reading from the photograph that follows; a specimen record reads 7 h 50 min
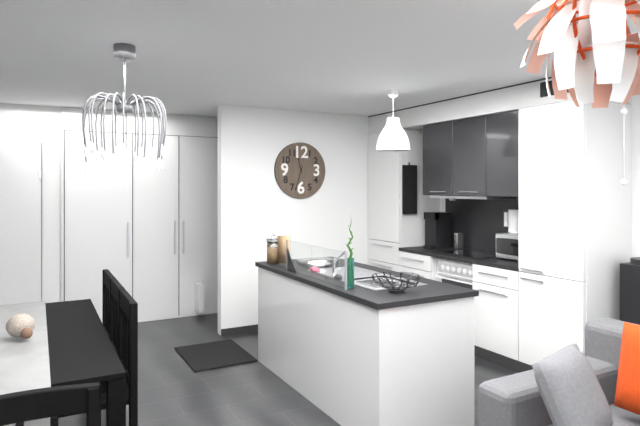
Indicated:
11 h 33 min
